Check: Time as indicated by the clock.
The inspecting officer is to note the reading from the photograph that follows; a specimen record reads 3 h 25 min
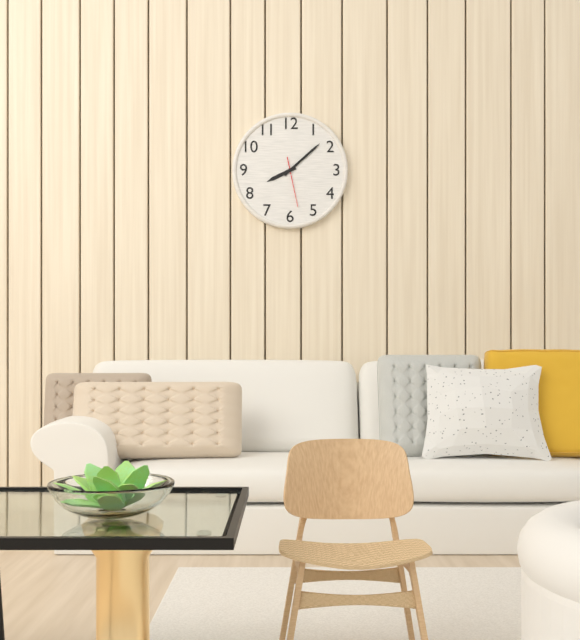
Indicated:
8 h 08 min
